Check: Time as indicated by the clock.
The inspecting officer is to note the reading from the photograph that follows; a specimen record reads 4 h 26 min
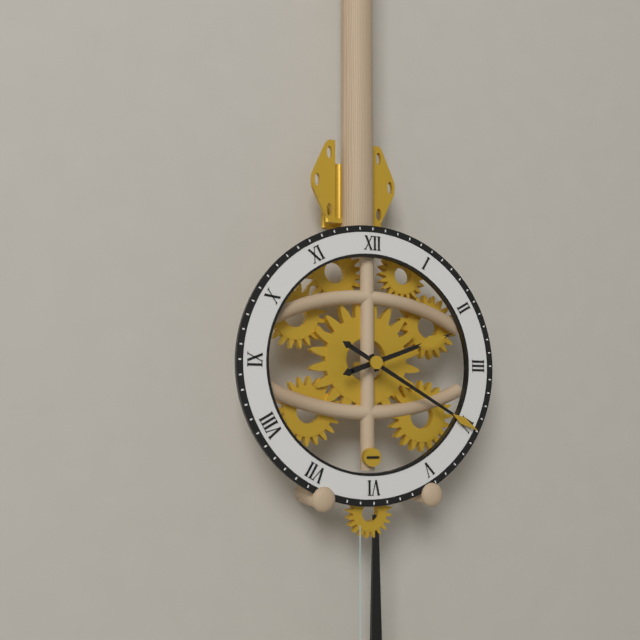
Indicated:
2 h 20 min
